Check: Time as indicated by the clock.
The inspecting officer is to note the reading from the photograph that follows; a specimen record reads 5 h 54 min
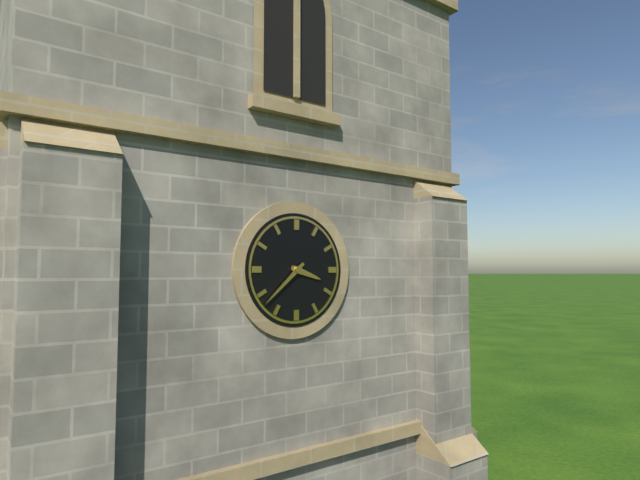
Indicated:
3 h 38 min
